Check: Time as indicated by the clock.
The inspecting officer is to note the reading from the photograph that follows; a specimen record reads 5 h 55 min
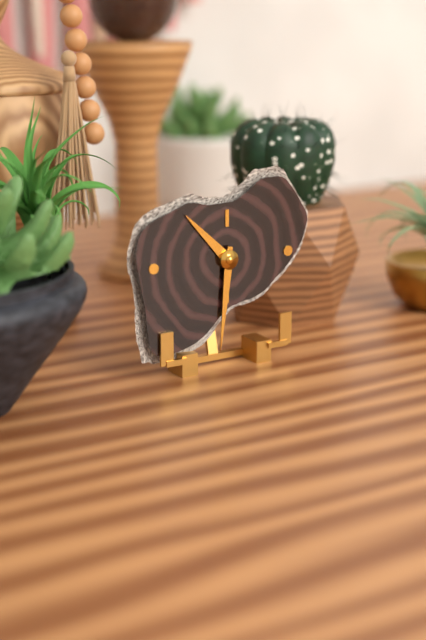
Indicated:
10 h 31 min
